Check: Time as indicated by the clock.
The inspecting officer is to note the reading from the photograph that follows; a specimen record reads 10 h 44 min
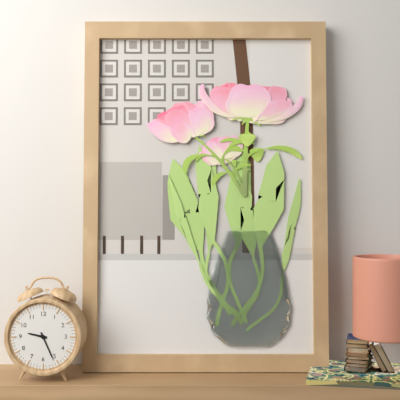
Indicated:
9 h 26 min
